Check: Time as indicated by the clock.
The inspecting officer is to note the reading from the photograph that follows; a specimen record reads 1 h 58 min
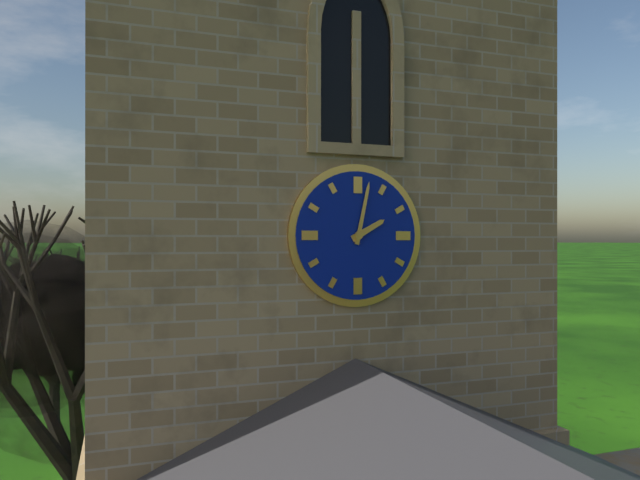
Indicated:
2 h 02 min
